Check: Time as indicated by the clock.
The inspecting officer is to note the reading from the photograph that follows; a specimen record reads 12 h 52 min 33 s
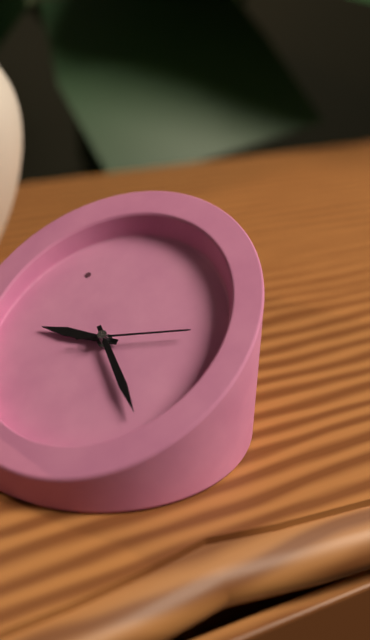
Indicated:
11 h 36 min 25 s
